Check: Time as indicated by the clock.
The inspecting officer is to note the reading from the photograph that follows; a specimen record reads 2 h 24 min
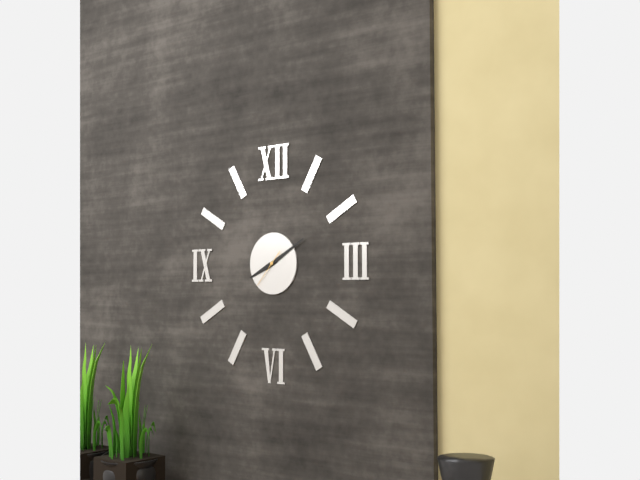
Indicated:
8 h 10 min
